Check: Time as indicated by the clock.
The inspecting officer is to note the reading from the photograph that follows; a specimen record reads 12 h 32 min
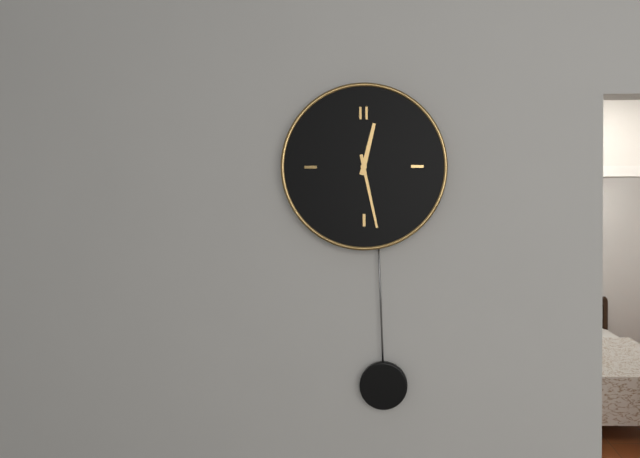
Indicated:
12 h 28 min
